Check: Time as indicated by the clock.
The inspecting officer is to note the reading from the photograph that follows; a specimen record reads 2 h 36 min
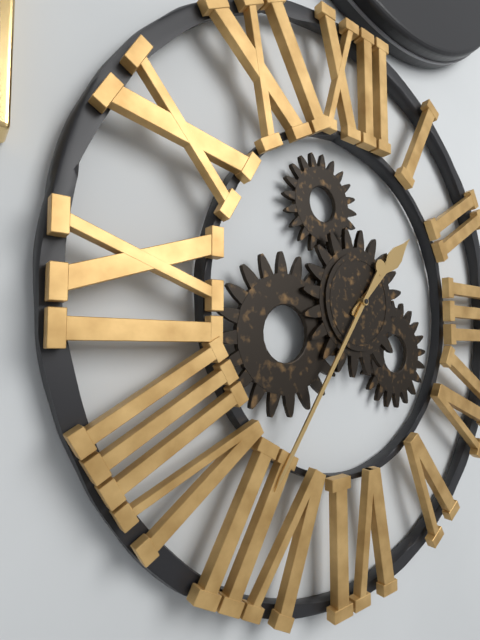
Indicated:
1 h 36 min
